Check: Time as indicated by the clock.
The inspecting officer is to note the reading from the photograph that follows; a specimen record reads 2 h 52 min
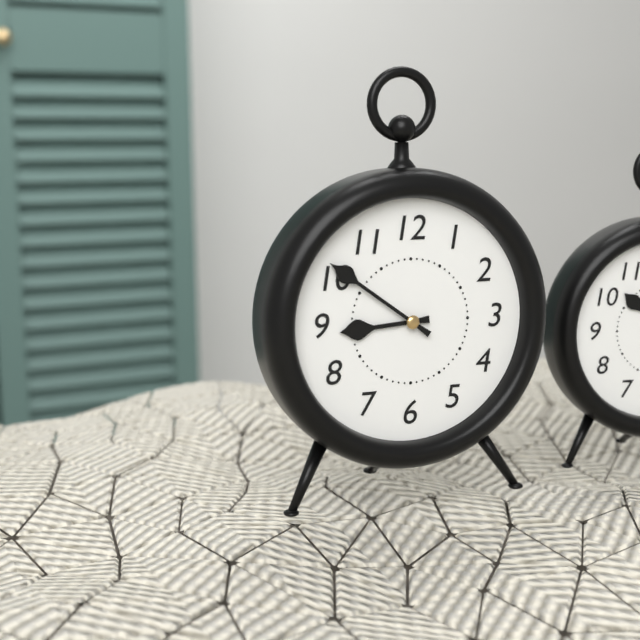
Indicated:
8 h 51 min
